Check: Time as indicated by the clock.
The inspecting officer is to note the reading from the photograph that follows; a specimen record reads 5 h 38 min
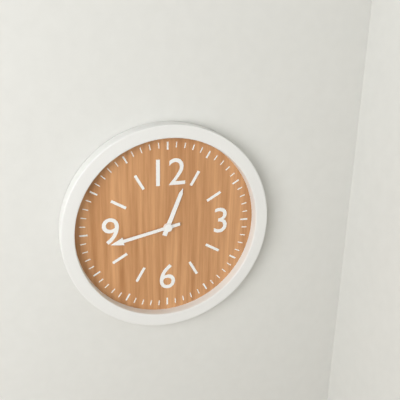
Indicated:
12 h 43 min
